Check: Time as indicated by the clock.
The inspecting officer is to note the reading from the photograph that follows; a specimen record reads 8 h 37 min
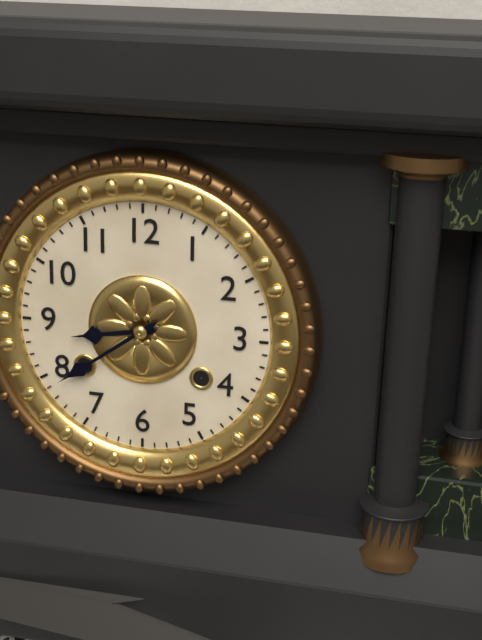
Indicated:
8 h 39 min
